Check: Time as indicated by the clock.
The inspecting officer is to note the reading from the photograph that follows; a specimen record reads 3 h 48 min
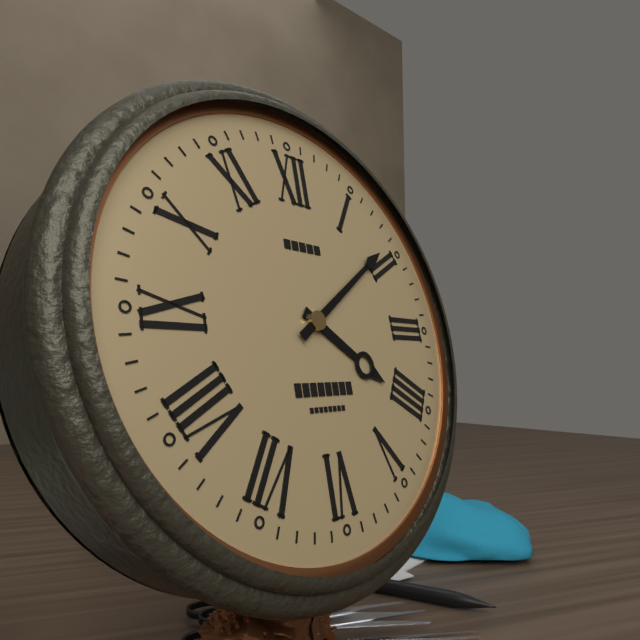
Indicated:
4 h 09 min
